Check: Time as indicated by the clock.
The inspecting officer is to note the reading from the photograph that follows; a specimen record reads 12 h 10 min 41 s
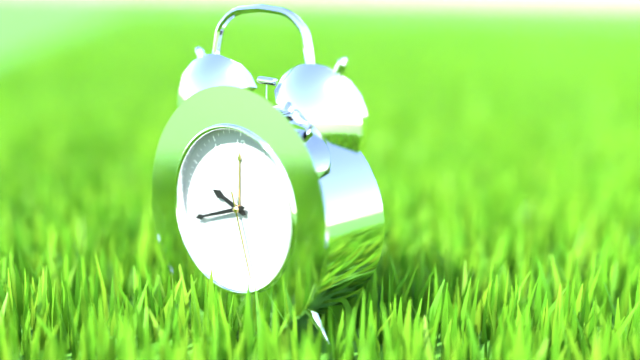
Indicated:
9 h 42 min 27 s
